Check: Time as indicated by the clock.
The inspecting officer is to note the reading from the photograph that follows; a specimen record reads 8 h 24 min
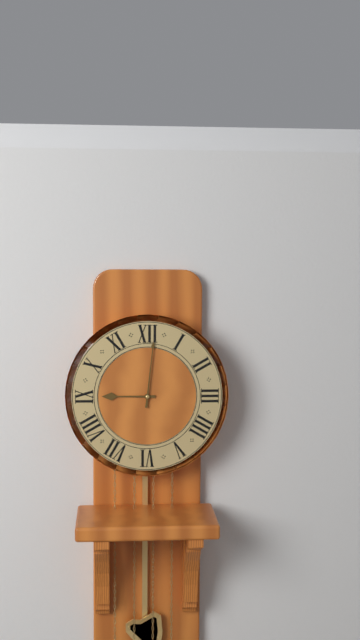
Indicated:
9 h 01 min
